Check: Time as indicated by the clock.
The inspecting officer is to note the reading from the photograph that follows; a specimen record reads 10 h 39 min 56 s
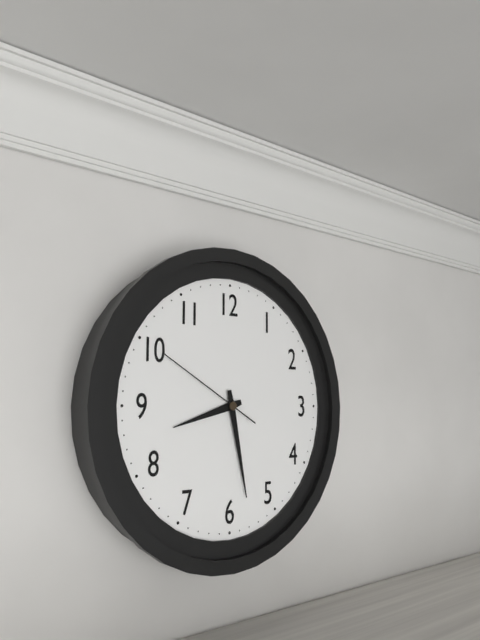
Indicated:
8 h 28 min 50 s
